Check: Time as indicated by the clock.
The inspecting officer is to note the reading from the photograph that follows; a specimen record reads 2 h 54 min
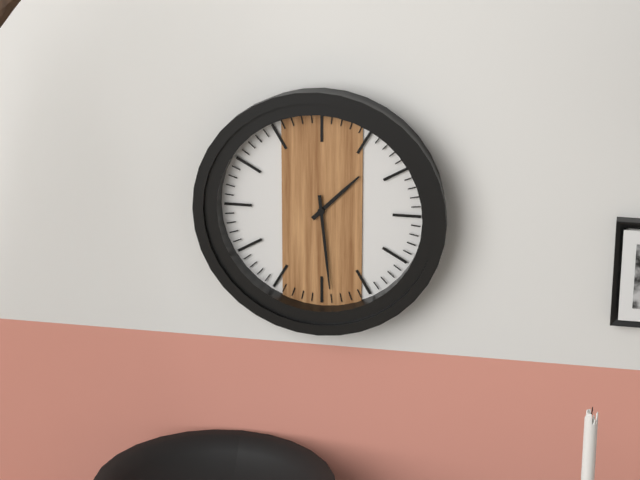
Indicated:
1 h 29 min
